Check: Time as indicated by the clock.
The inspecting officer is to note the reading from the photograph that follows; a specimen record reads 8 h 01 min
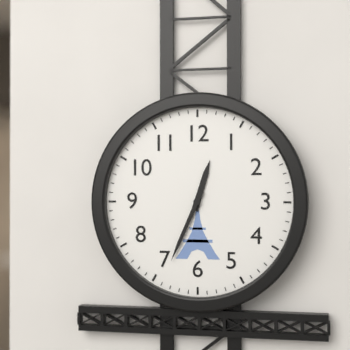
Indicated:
12 h 34 min
